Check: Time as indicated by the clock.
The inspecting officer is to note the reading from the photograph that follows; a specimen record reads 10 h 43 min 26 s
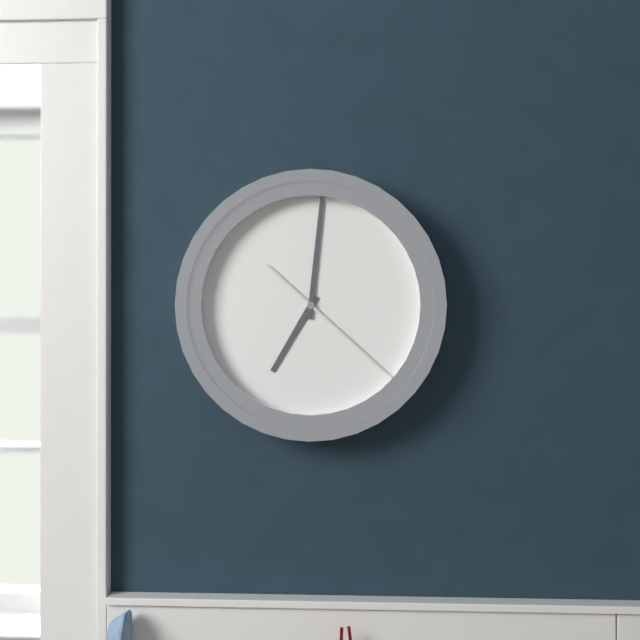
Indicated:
7 h 01 min 22 s
